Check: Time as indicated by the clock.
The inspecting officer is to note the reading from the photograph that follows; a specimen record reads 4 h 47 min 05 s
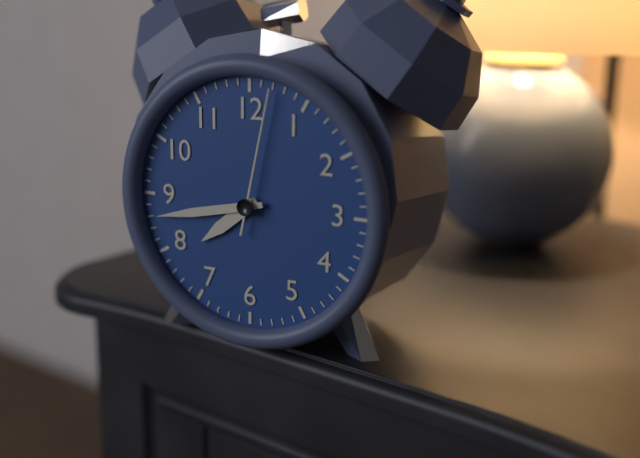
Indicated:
7 h 43 min 02 s
